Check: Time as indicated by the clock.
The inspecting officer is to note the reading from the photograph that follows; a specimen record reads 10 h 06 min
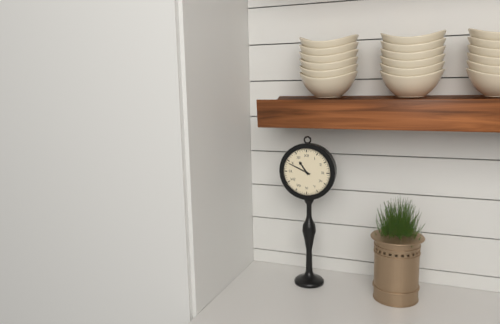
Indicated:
10 h 49 min
